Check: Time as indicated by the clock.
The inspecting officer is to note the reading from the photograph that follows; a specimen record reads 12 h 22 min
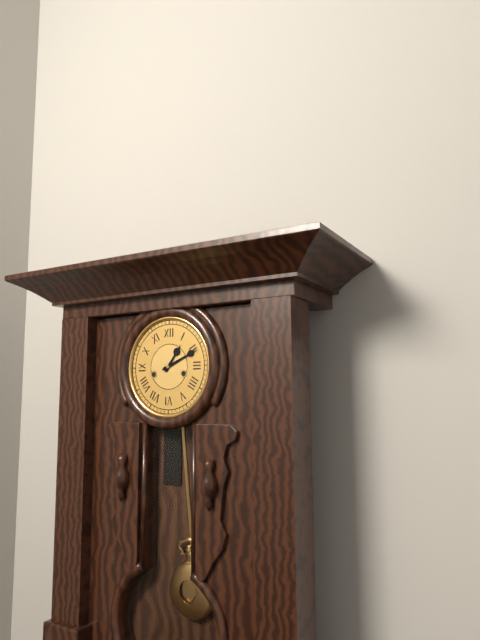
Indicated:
1 h 11 min
